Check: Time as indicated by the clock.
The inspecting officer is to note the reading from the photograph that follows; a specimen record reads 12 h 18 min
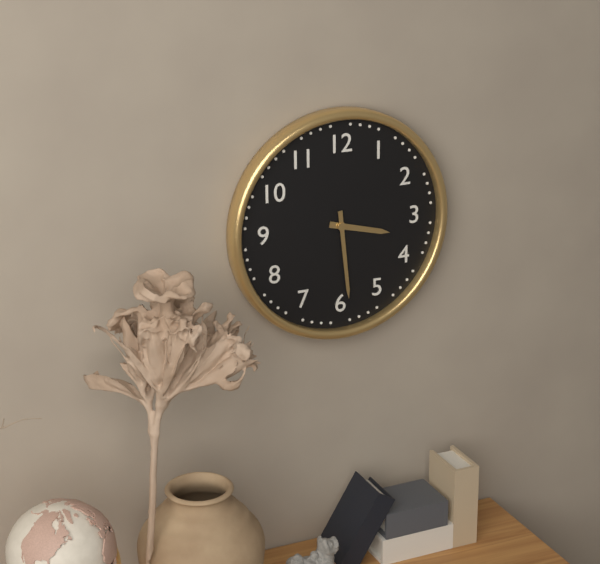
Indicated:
3 h 29 min
